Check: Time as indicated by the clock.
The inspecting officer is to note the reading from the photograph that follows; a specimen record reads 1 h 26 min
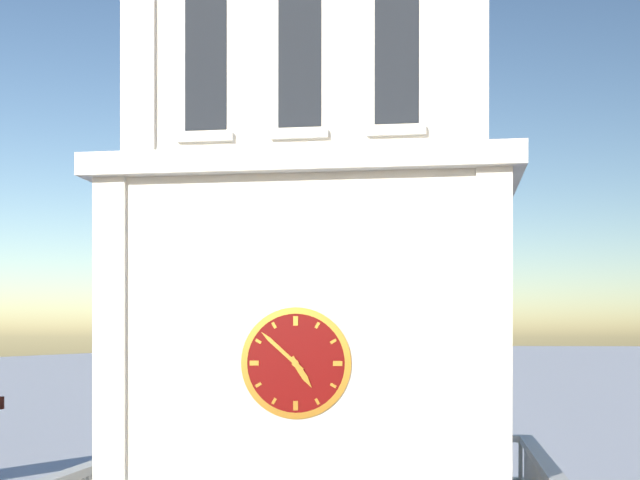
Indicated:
4 h 52 min
